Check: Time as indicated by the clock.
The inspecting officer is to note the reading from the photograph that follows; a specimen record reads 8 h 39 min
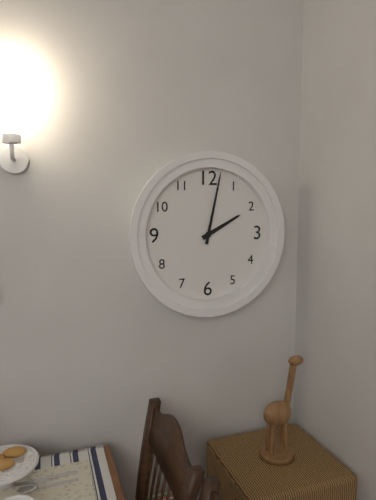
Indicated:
2 h 02 min
